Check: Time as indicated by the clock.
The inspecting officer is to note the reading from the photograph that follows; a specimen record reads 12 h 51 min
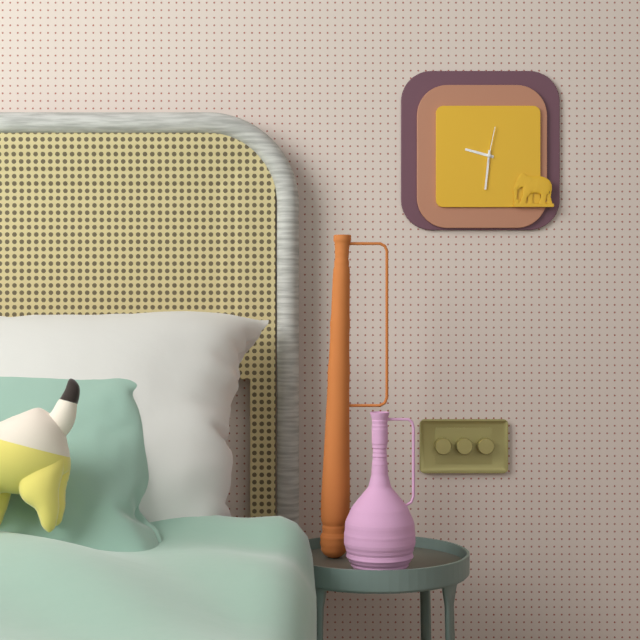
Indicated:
9 h 31 min
